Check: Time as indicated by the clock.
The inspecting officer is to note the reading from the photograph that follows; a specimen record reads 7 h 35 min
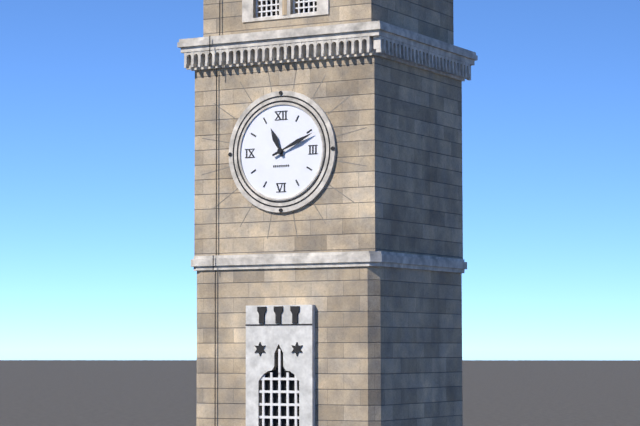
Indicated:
11 h 11 min
